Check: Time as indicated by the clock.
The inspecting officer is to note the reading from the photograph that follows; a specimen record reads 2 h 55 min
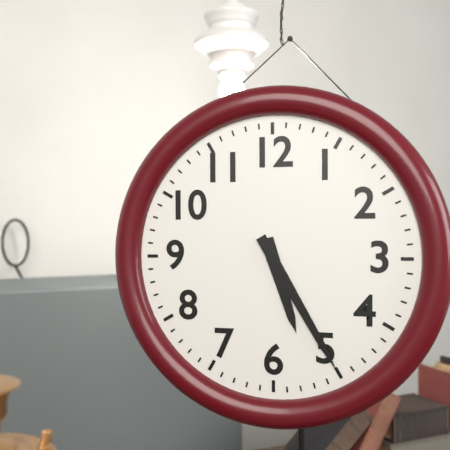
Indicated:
5 h 25 min
